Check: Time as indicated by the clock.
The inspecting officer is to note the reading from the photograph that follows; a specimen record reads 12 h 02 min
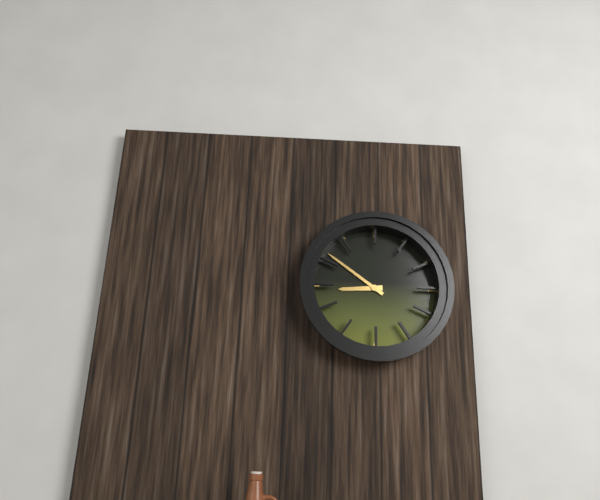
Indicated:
8 h 51 min
